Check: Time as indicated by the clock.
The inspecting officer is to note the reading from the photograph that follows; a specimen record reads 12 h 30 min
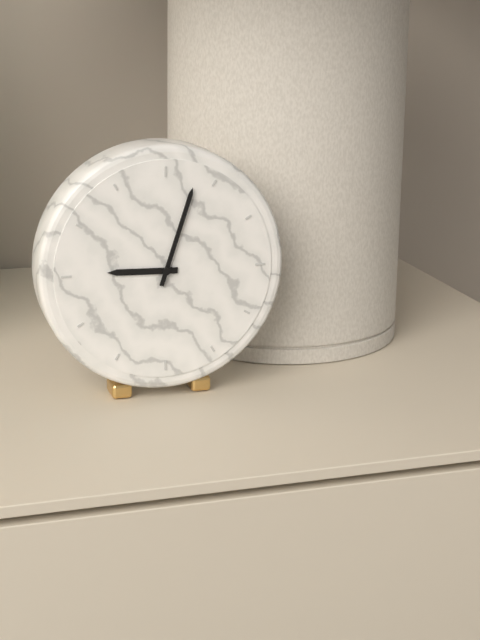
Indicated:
9 h 03 min
